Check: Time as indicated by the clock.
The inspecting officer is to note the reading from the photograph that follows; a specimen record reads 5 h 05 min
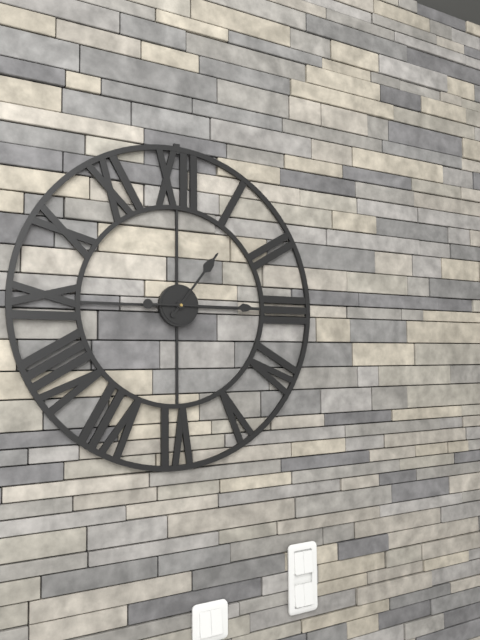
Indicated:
1 h 15 min
